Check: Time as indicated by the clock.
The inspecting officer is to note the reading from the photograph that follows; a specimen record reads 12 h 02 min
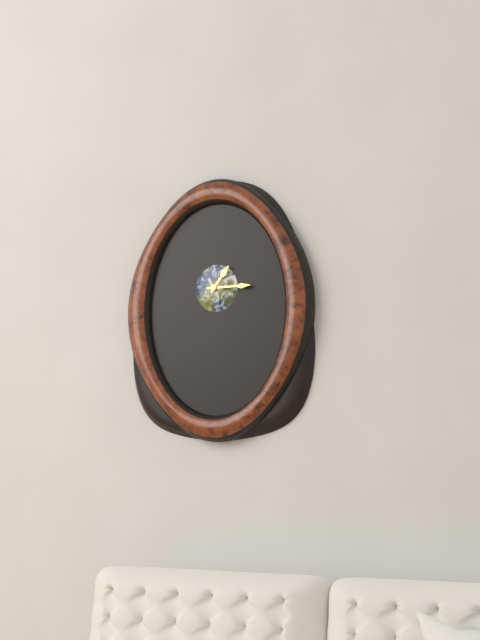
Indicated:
1 h 15 min
